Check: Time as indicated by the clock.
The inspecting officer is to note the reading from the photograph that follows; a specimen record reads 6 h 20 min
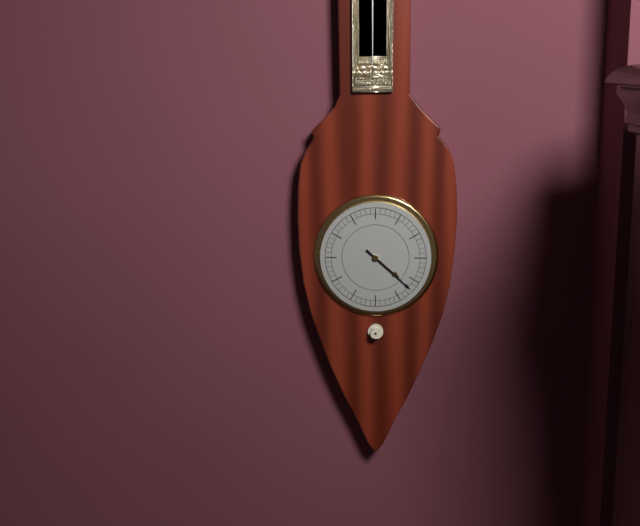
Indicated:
4 h 22 min
